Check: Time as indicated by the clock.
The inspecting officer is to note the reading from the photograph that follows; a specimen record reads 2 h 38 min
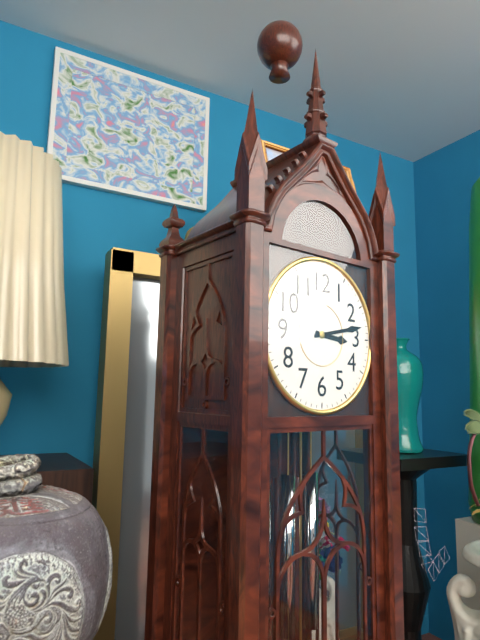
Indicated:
3 h 13 min
